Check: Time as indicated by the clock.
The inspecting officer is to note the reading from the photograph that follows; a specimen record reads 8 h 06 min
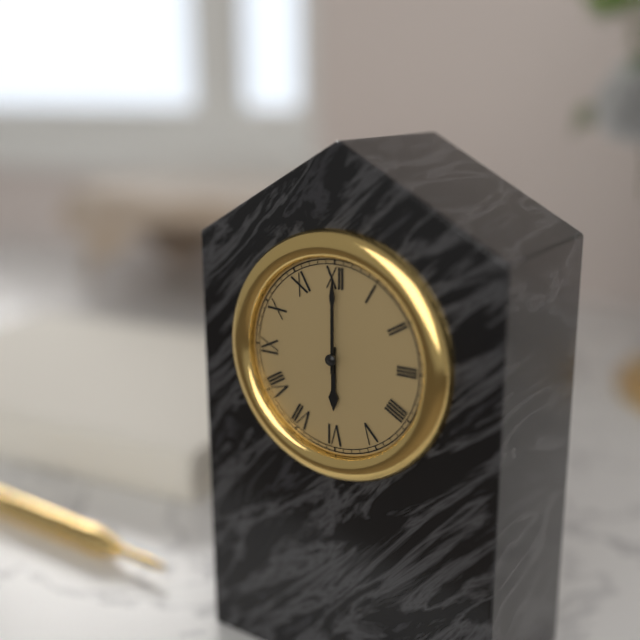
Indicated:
6 h 00 min
